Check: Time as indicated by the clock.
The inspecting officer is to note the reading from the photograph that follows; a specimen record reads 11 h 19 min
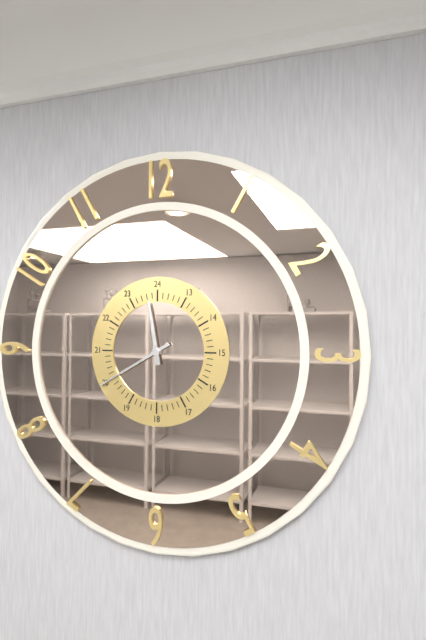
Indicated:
11 h 40 min
